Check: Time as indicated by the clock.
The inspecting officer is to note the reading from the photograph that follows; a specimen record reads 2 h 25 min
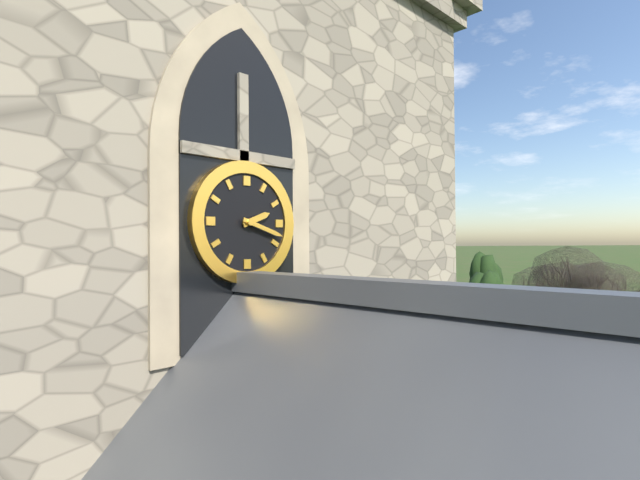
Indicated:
2 h 18 min
